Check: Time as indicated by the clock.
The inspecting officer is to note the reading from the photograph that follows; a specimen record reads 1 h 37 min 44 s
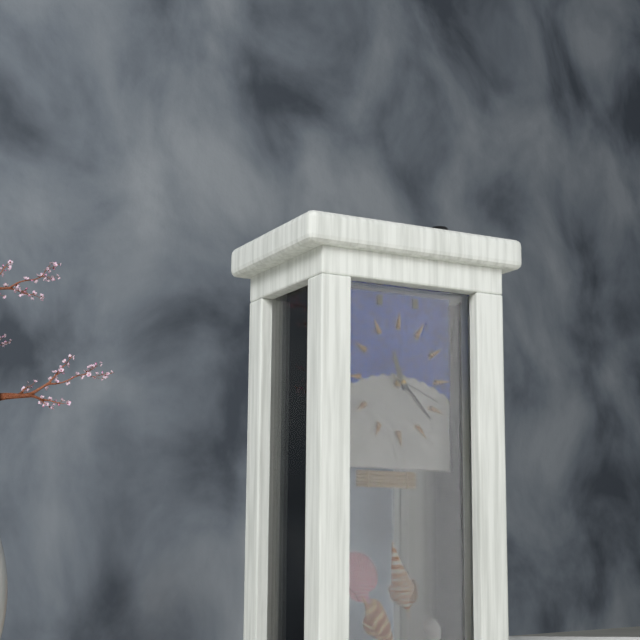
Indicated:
11 h 23 min 19 s
